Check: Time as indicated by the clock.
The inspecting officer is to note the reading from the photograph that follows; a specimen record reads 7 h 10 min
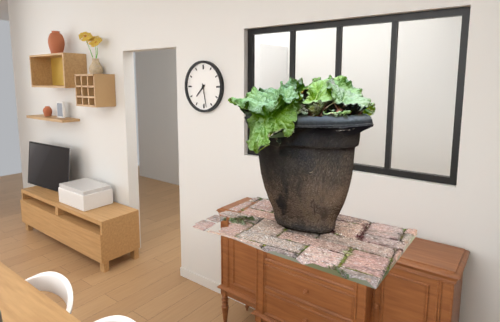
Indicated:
7 h 28 min
